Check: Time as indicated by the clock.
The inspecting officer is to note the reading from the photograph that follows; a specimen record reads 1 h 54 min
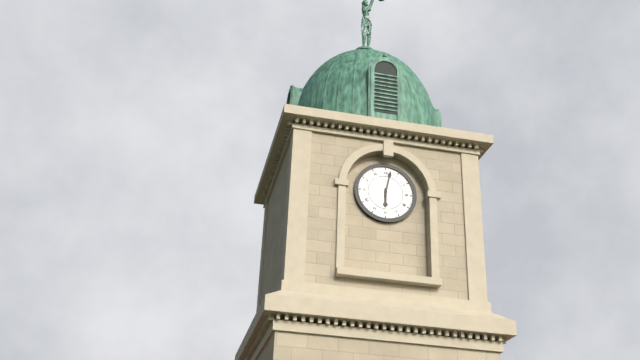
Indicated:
6 h 02 min
